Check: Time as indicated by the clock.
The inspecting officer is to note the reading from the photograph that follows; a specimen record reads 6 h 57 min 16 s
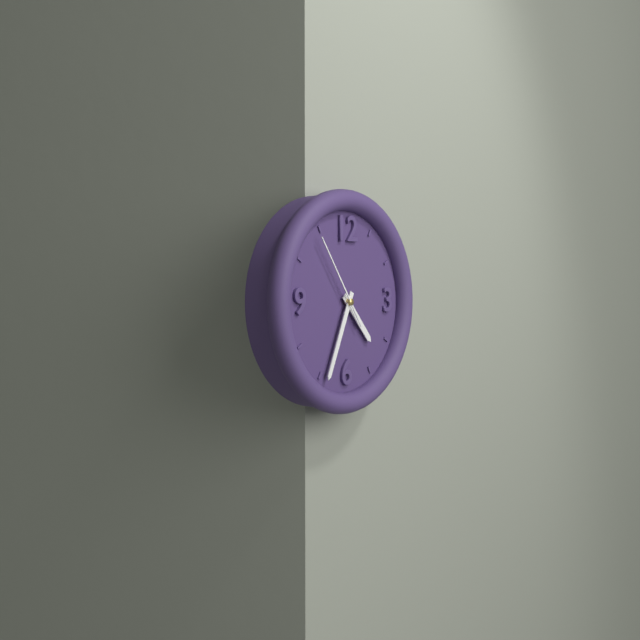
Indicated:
4 h 34 min 54 s
